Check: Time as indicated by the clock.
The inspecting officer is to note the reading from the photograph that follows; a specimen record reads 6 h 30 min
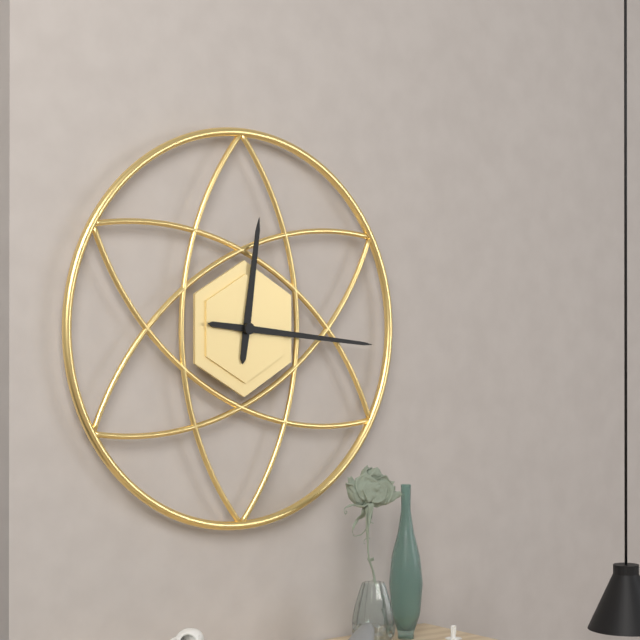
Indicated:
12 h 16 min
